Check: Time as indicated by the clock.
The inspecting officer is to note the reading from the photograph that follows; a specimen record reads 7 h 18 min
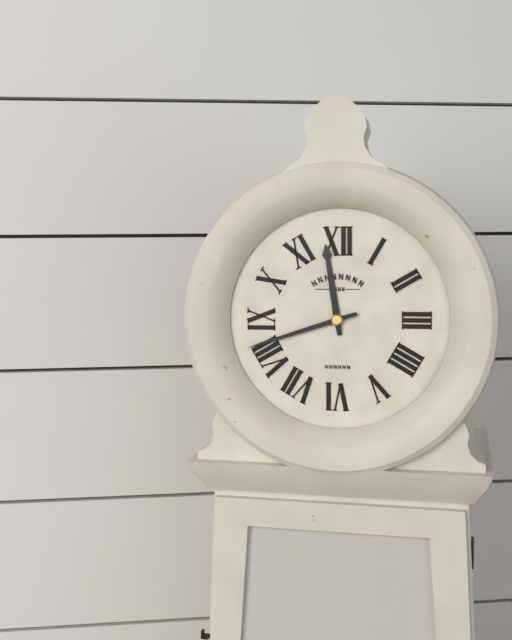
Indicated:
11 h 42 min
